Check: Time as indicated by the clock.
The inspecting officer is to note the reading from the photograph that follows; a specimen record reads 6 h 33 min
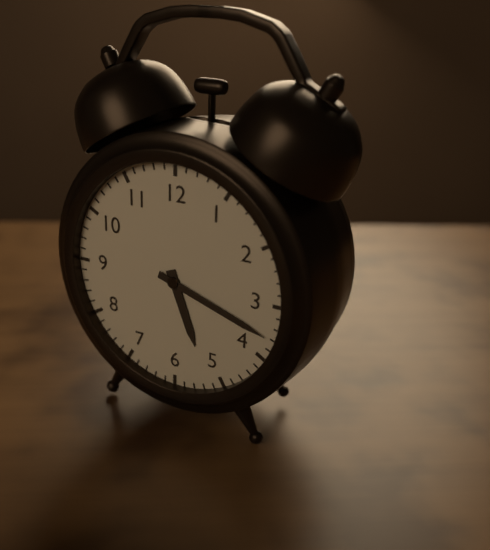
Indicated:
5 h 18 min
